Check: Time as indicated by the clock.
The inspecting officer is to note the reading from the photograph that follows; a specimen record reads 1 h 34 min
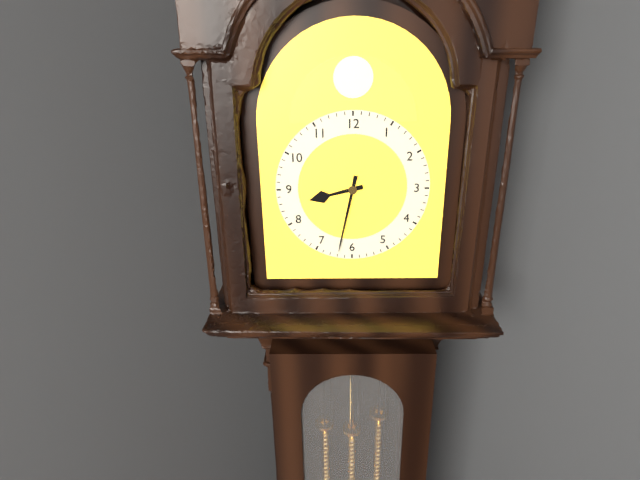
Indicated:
8 h 32 min
